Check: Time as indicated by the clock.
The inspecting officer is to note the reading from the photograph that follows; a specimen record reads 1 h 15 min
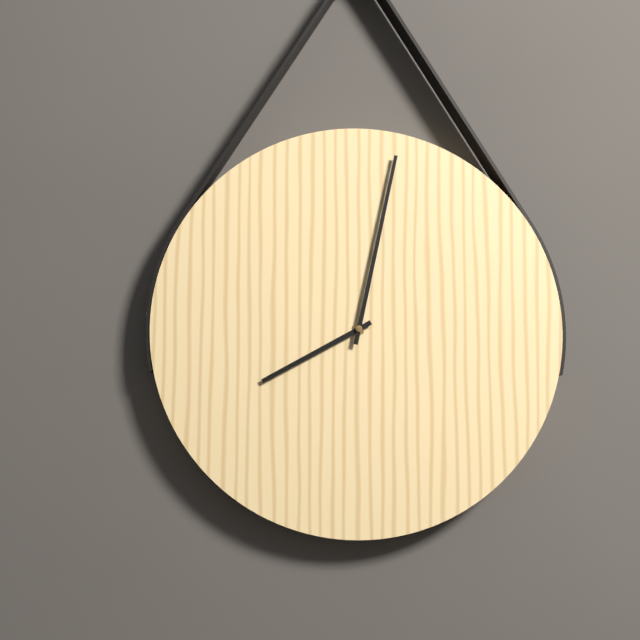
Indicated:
8 h 02 min
